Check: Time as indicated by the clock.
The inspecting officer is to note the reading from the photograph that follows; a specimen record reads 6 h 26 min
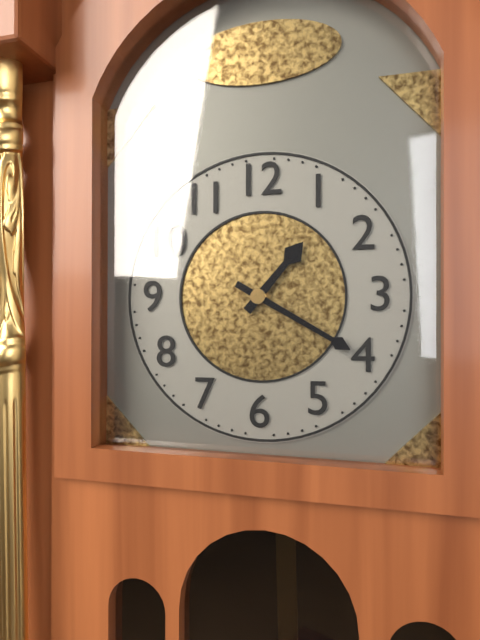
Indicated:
1 h 20 min
